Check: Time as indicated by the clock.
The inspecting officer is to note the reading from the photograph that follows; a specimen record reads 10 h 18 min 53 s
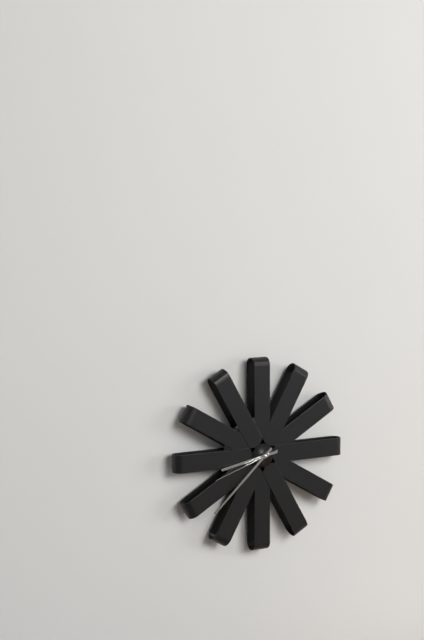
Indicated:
8 h 38 min 42 s
